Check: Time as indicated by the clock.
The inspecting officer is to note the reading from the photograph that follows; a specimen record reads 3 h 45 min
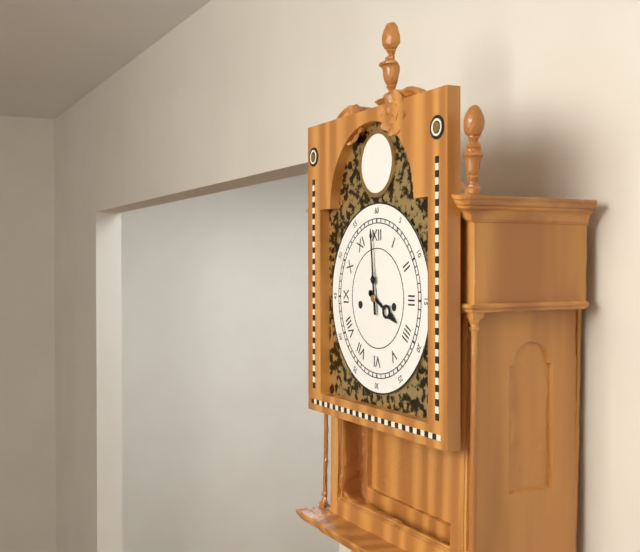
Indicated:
3 h 59 min
